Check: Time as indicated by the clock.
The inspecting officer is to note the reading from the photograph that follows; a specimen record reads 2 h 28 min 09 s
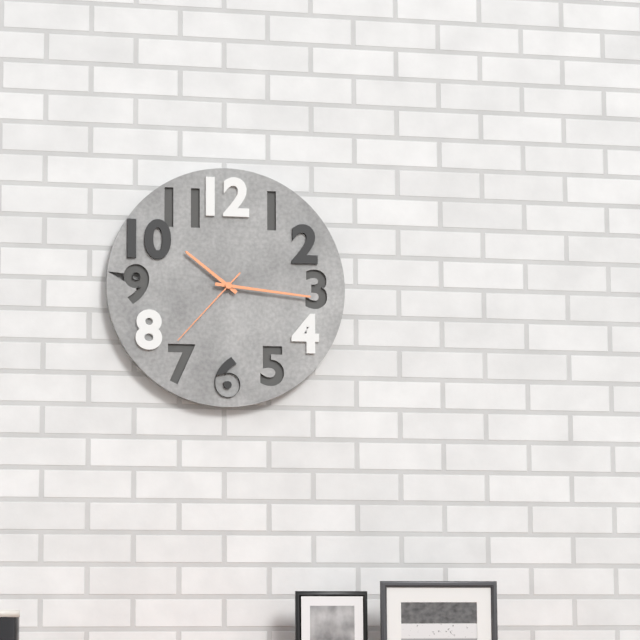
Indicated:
10 h 16 min 37 s
